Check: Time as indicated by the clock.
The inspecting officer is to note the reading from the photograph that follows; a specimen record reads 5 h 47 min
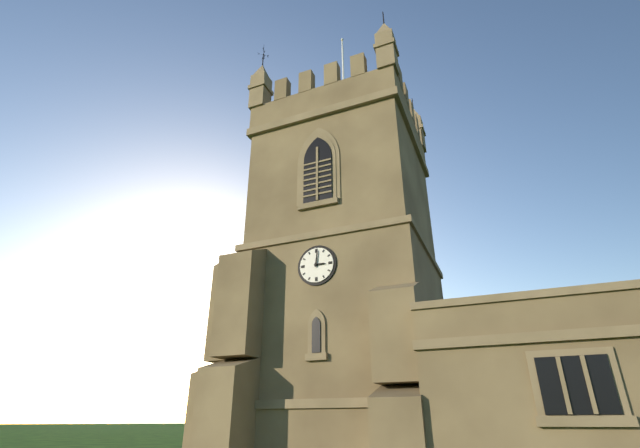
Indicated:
3 h 01 min
